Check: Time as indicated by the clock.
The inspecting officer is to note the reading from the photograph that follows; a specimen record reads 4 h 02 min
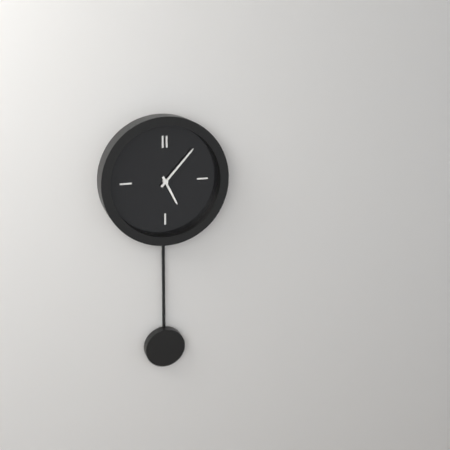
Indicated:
5 h 07 min
